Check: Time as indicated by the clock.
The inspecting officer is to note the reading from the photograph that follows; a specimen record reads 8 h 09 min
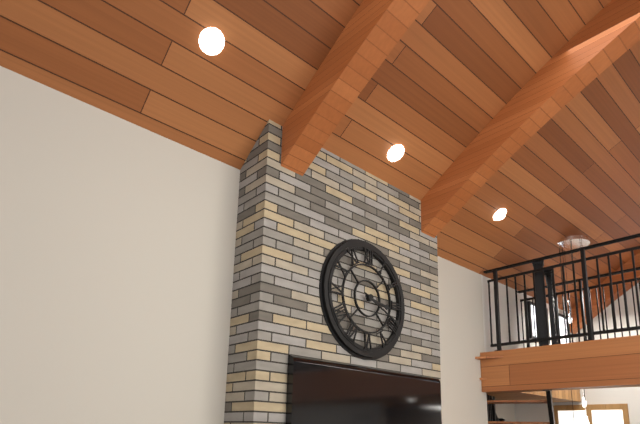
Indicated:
3 h 19 min
